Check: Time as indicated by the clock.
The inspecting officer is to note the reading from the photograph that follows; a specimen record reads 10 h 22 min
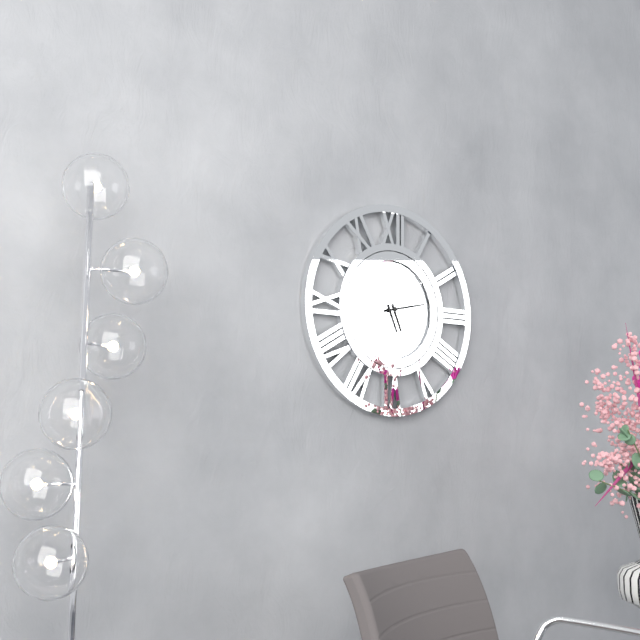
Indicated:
5 h 13 min
